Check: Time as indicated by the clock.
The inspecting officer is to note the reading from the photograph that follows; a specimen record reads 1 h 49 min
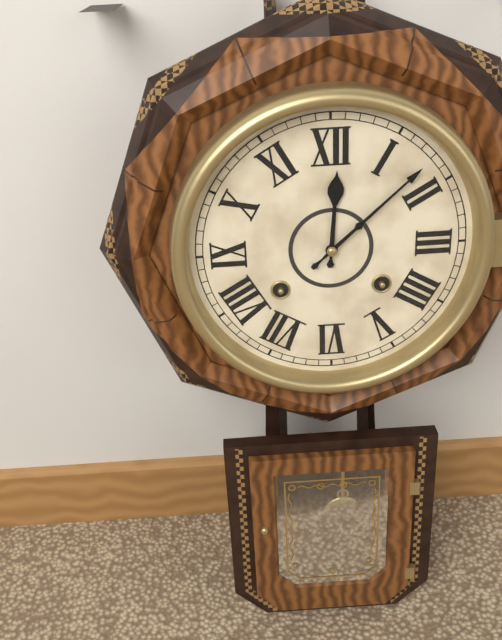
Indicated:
12 h 08 min
